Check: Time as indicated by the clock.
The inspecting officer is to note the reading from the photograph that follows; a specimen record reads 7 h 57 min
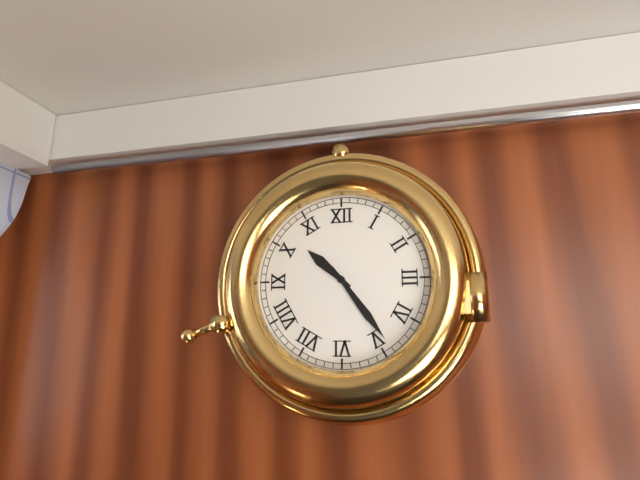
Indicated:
10 h 24 min
